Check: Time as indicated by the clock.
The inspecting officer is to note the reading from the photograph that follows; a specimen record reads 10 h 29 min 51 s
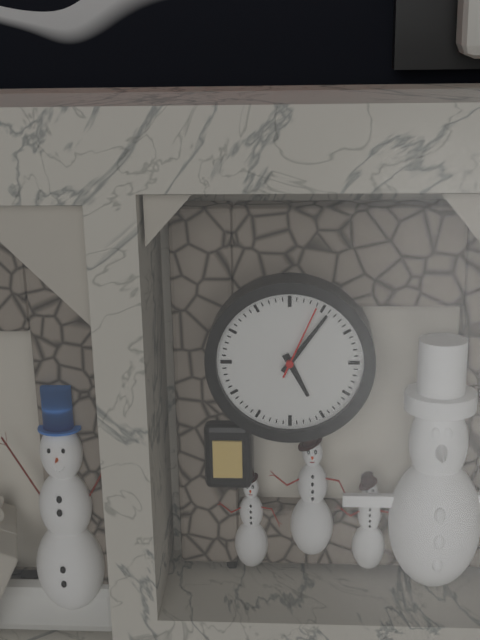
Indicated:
5 h 06 min 04 s
